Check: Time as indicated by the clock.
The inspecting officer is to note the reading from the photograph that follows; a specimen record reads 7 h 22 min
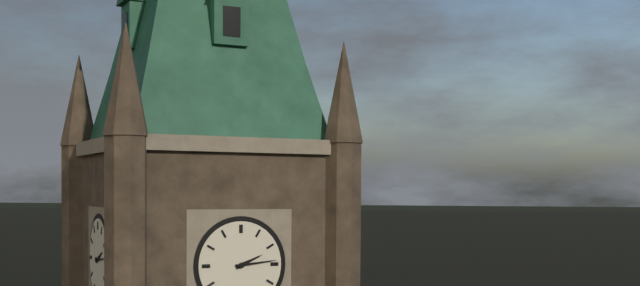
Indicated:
2 h 14 min
